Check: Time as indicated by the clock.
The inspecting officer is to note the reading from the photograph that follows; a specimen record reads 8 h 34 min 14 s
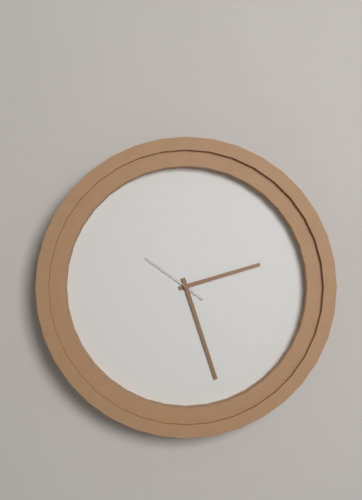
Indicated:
2 h 27 min 51 s
